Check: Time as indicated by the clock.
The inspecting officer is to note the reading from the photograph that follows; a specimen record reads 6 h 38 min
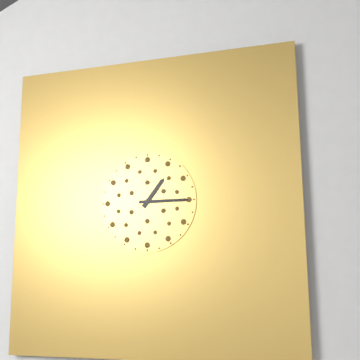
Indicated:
1 h 15 min
